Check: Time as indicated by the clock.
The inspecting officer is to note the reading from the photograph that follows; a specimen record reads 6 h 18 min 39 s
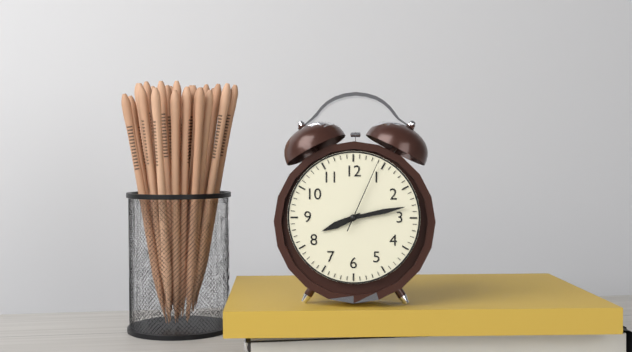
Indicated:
8 h 13 min 04 s
